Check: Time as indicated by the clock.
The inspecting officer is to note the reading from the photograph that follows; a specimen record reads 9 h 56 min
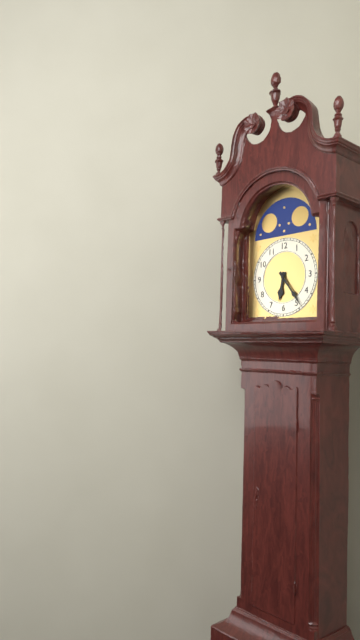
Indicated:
6 h 24 min
